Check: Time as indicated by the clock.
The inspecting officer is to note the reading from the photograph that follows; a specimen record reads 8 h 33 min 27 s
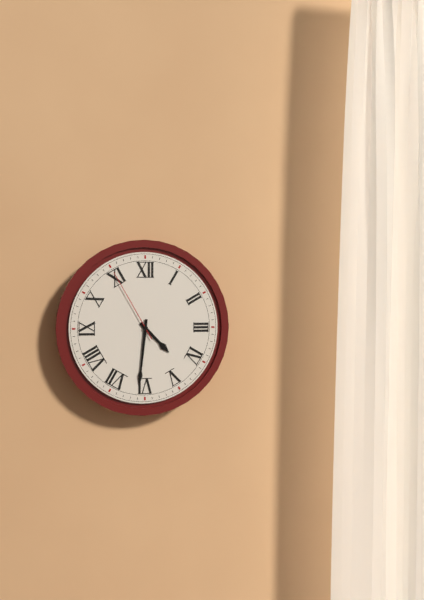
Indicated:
4 h 31 min 55 s
